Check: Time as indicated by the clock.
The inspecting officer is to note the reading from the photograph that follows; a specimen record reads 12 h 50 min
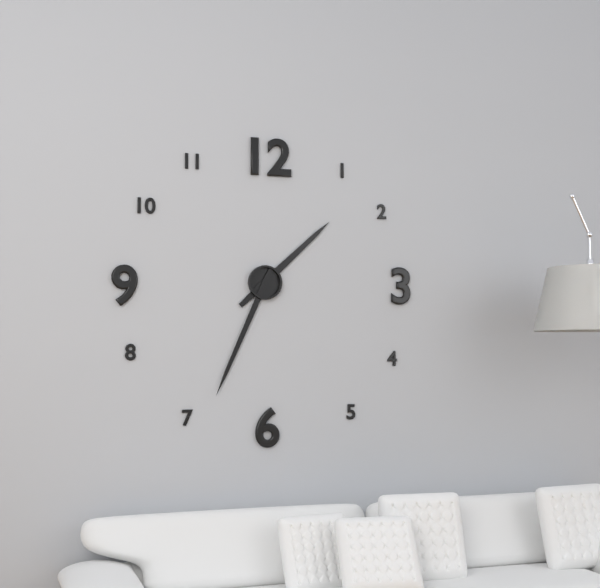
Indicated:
1 h 34 min
